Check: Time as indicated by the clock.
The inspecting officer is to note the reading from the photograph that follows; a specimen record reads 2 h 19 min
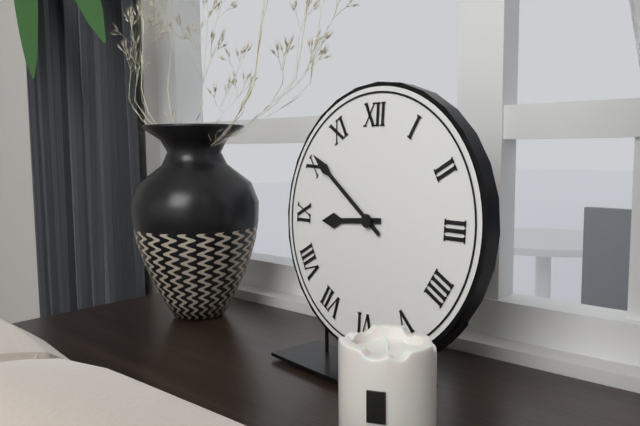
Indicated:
8 h 51 min
